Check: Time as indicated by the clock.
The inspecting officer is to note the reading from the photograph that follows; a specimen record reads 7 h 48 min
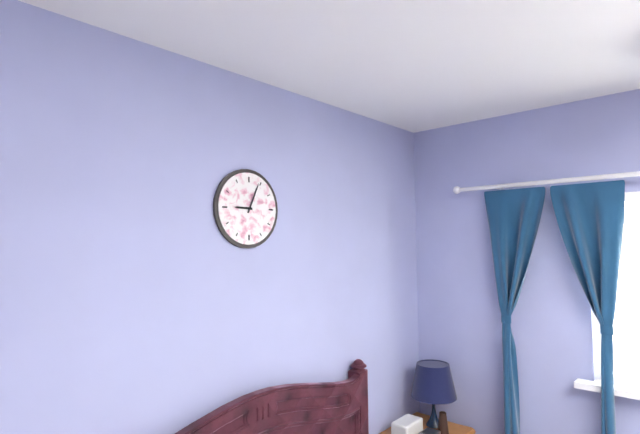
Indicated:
9 h 04 min
